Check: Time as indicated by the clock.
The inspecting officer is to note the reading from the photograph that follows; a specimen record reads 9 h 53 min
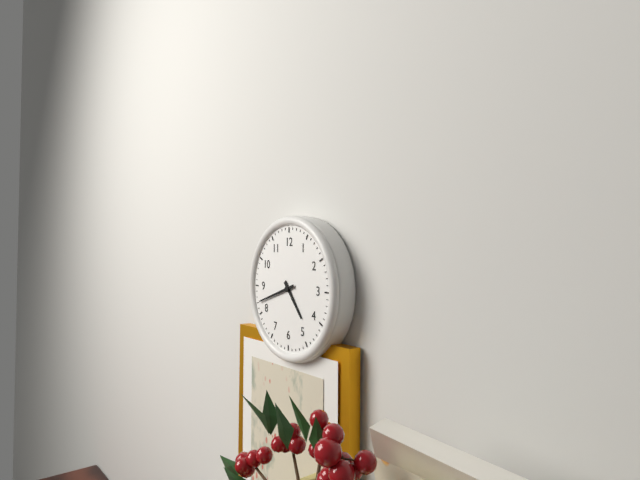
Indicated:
4 h 42 min
